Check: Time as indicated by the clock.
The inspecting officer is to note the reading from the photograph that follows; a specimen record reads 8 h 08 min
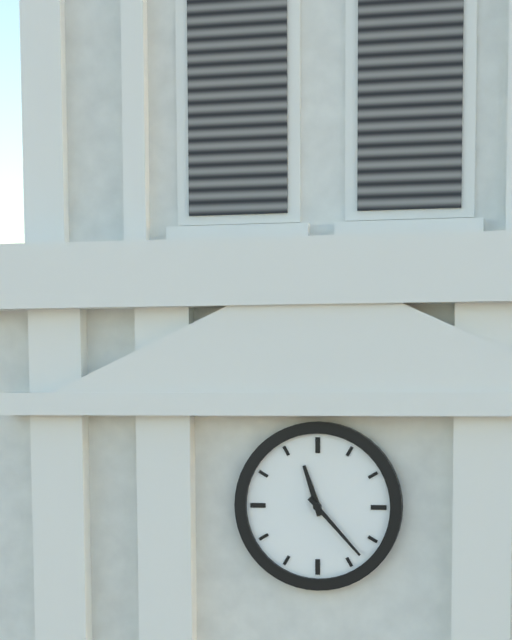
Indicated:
11 h 23 min
